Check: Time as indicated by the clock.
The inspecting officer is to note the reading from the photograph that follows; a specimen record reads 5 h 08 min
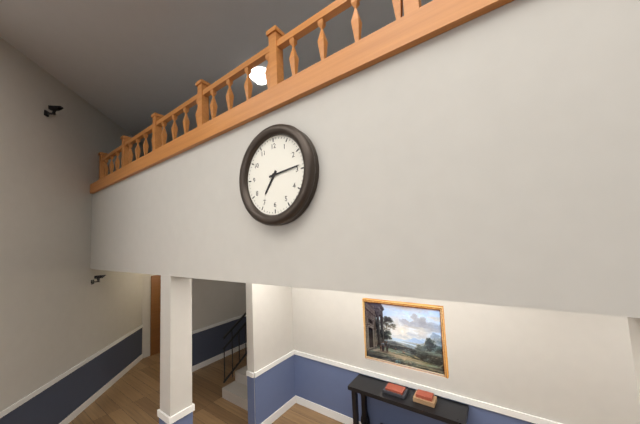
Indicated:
7 h 14 min
